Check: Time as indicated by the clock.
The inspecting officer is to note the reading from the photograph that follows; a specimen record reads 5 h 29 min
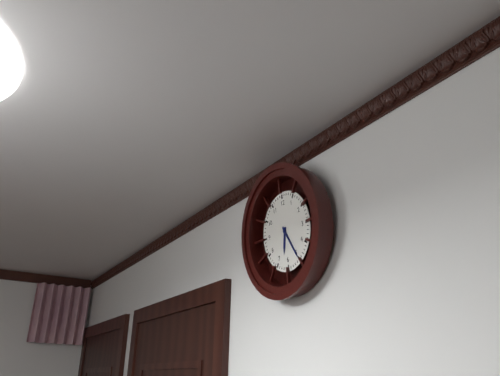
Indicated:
6 h 25 min
